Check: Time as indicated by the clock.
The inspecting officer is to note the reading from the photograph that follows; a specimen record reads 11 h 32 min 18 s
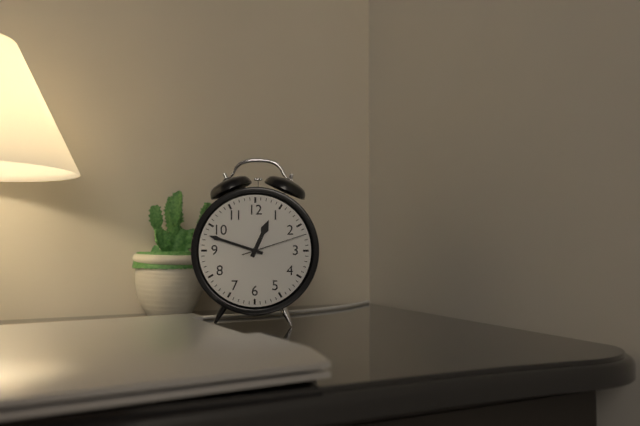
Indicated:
12 h 48 min 12 s
